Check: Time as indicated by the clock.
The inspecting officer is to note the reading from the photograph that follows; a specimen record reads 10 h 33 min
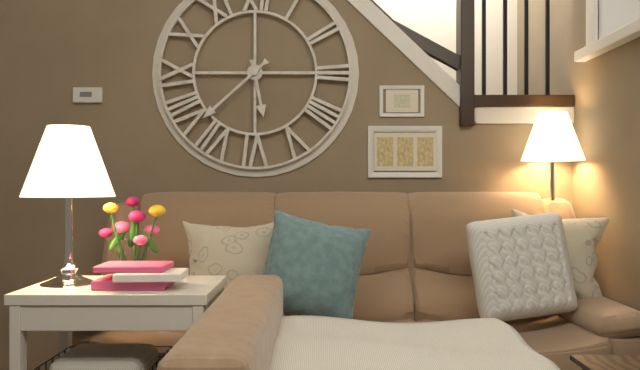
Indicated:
5 h 38 min
